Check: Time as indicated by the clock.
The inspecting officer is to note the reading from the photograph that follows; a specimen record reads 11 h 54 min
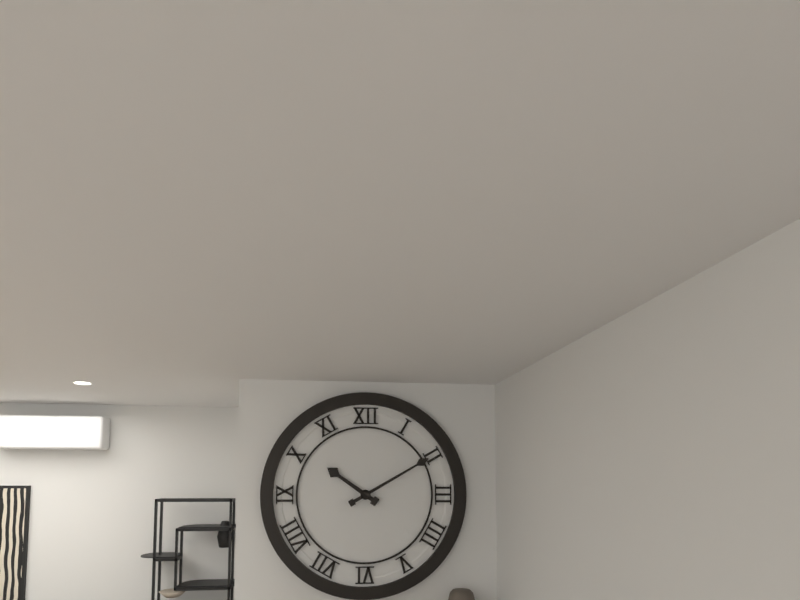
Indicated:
10 h 10 min
